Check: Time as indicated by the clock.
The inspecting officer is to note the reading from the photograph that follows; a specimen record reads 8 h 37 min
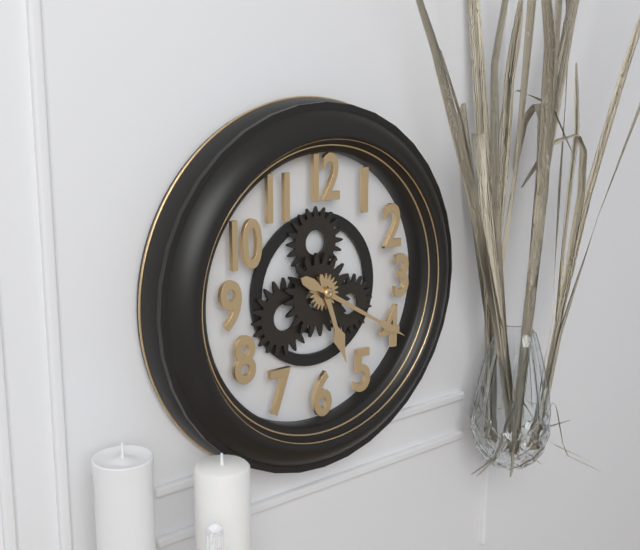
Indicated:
5 h 20 min
